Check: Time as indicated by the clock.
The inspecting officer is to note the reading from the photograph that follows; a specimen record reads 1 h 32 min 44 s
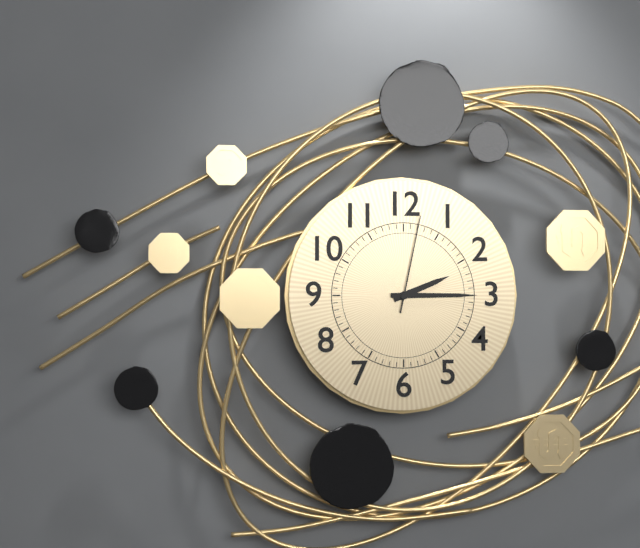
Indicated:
2 h 15 min 02 s
